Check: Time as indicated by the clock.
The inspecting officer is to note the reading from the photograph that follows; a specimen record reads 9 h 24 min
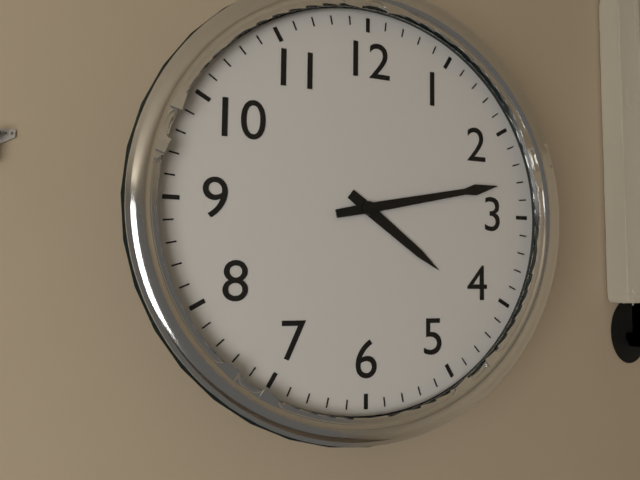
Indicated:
4 h 13 min
